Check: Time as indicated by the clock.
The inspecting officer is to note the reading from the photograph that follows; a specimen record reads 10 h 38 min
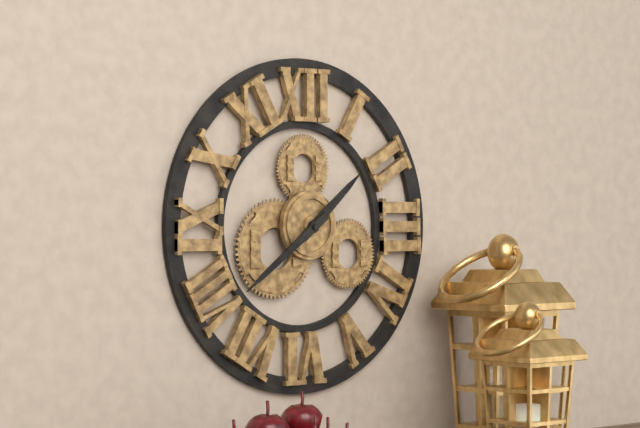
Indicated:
1 h 39 min
